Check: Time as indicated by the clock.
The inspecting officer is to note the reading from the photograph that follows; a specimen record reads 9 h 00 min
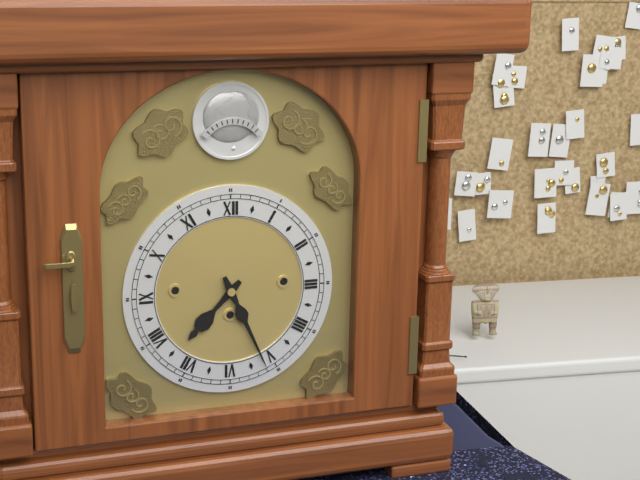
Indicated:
7 h 26 min
